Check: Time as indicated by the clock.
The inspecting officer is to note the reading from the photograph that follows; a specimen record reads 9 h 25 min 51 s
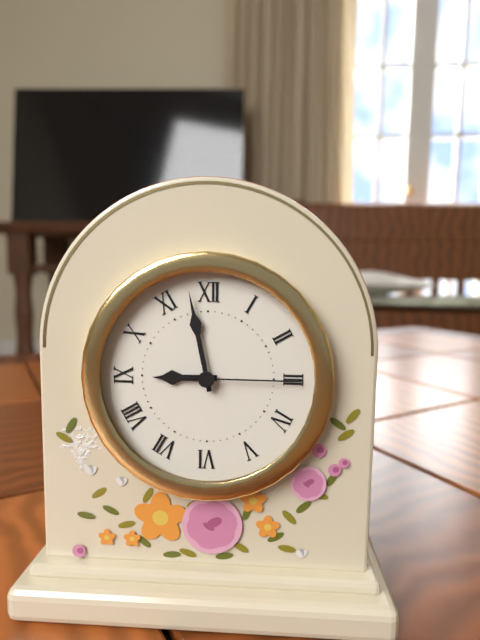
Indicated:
8 h 58 min 15 s
